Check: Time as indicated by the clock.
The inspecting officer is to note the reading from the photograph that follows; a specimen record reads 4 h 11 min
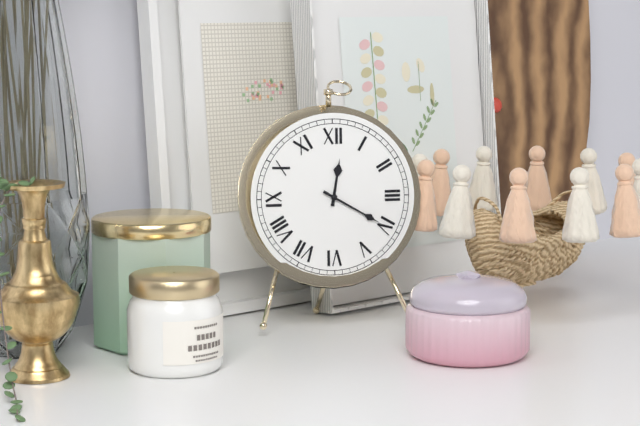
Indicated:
12 h 20 min
